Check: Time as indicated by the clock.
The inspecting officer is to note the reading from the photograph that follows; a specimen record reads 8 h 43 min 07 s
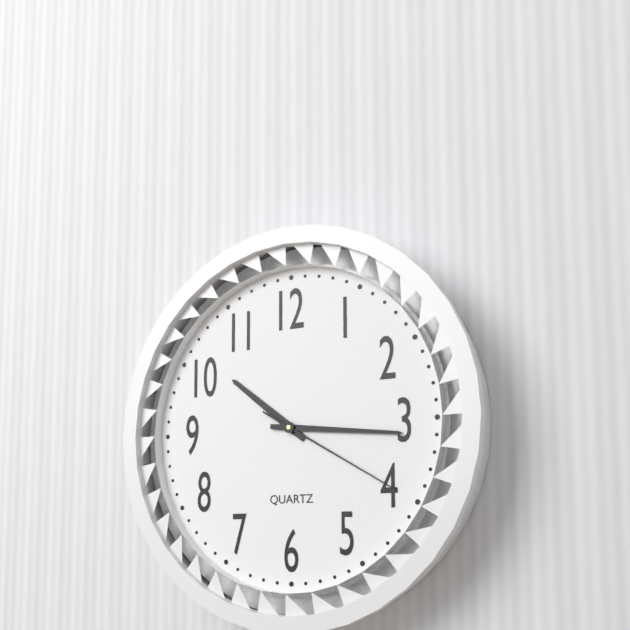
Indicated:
10 h 16 min 20 s
